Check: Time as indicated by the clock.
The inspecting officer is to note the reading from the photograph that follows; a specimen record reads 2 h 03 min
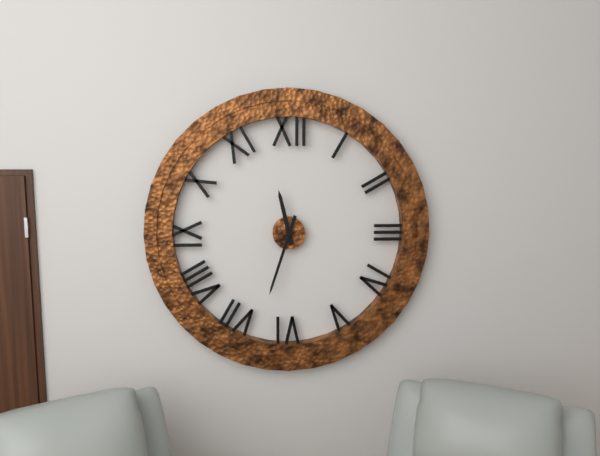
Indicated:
11 h 33 min
